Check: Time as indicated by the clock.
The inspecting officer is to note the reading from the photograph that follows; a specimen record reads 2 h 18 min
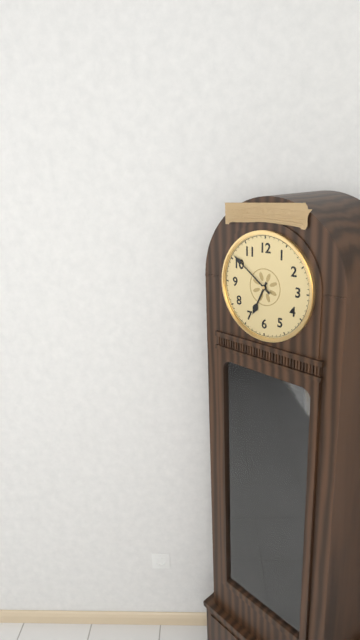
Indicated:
6 h 51 min
